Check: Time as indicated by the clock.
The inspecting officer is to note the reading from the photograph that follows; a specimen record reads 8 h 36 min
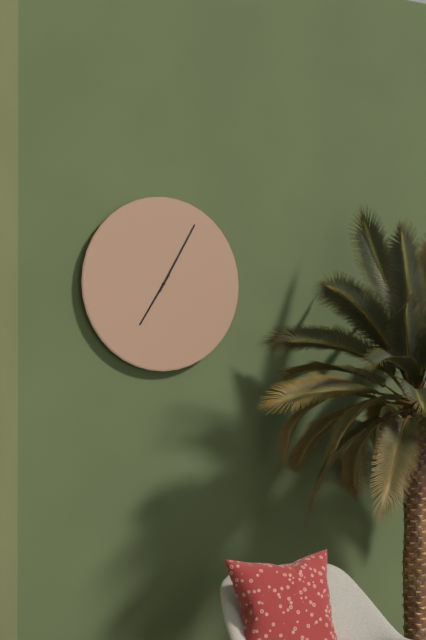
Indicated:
7 h 05 min
